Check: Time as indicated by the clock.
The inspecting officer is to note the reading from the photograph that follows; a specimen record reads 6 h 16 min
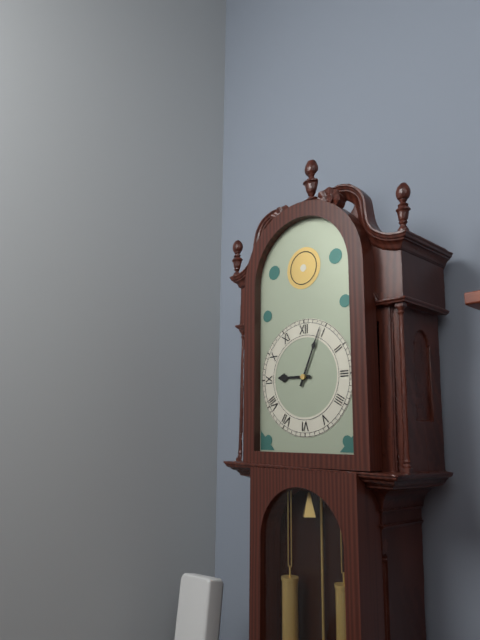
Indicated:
9 h 04 min
